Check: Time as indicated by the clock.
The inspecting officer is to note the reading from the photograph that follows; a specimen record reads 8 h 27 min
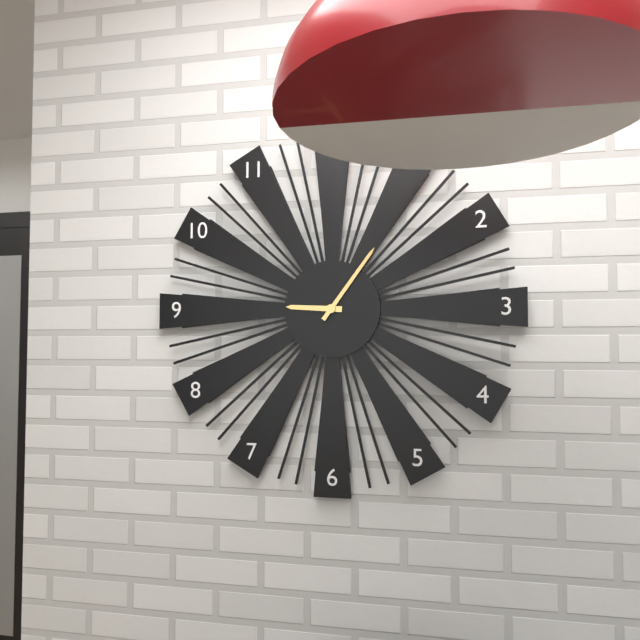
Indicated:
9 h 06 min
